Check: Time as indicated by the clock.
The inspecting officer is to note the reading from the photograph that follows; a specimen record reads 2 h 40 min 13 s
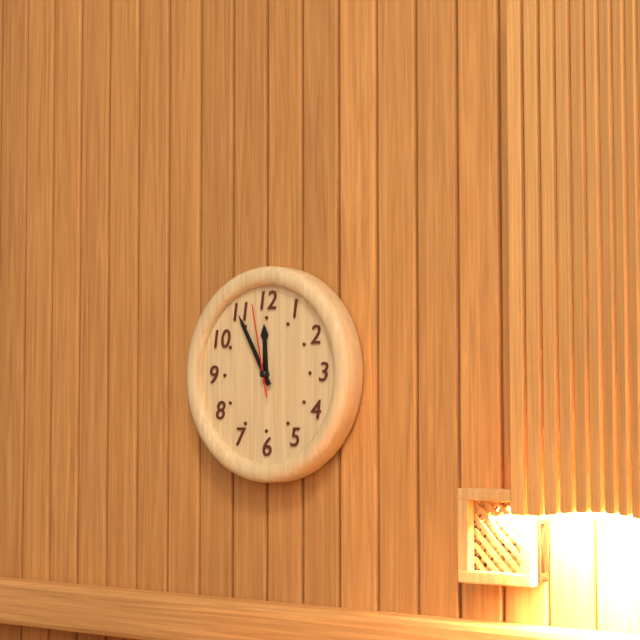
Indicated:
11 h 55 min 58 s
